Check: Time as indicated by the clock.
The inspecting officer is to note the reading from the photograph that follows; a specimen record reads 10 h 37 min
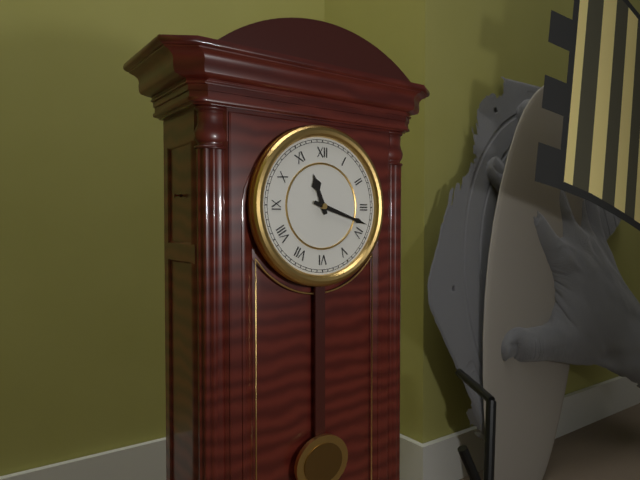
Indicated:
11 h 18 min
